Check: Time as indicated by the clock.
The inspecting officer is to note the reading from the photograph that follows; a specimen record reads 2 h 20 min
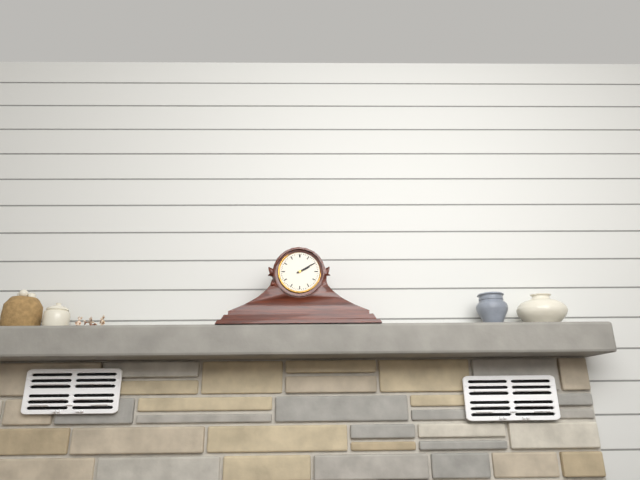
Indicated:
2 h 10 min
